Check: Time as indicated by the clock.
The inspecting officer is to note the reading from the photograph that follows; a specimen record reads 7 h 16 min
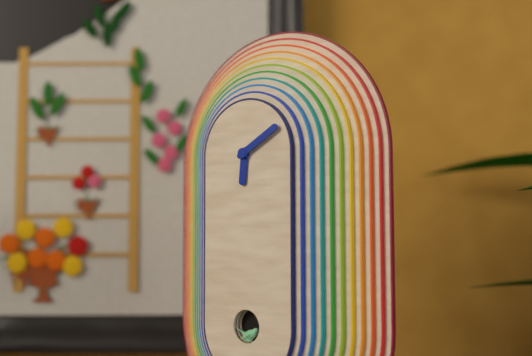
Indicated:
6 h 10 min
